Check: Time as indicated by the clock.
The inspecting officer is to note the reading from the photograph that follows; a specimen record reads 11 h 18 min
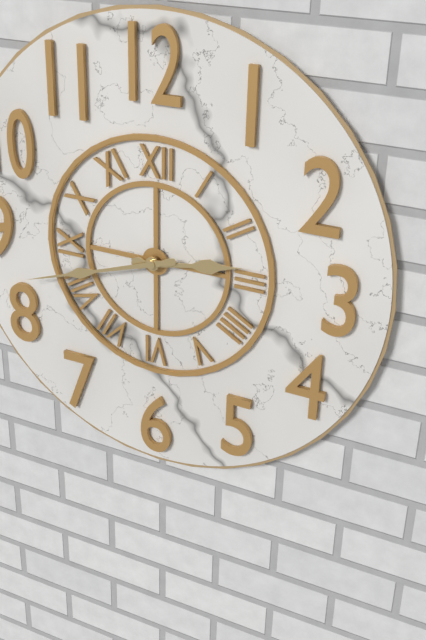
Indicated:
2 h 42 min
